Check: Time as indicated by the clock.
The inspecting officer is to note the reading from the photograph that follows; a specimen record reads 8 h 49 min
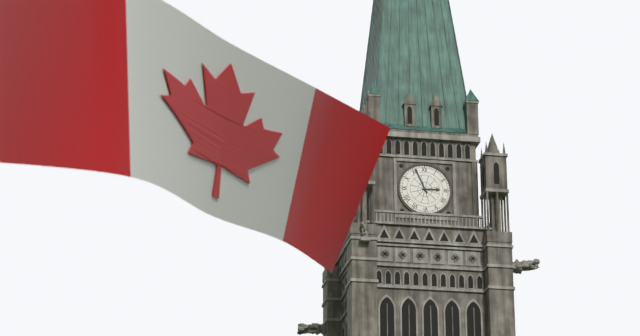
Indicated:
2 h 56 min
